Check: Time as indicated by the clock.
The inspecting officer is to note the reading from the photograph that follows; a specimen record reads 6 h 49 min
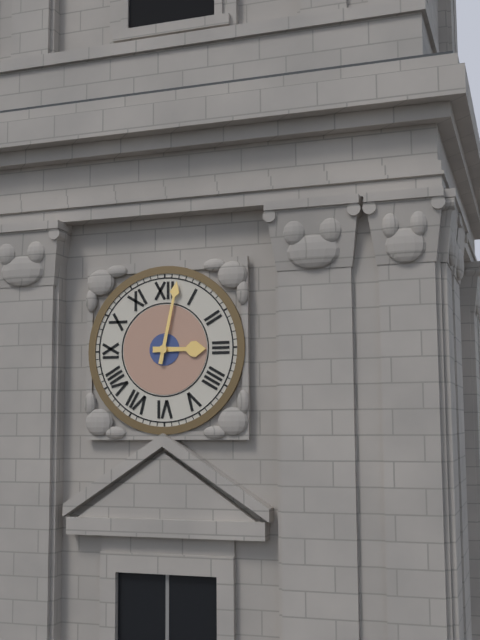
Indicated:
3 h 02 min
